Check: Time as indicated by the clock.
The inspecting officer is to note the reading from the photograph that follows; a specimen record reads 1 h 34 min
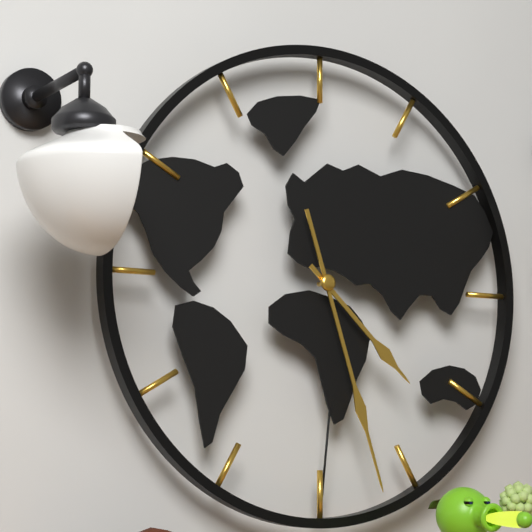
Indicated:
4 h 27 min
